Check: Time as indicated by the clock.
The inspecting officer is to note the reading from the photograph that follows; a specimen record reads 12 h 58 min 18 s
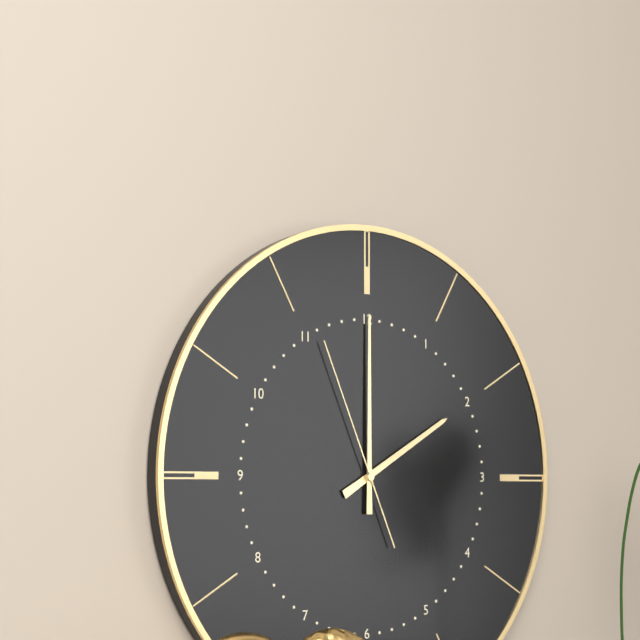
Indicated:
2 h 00 min 56 s
